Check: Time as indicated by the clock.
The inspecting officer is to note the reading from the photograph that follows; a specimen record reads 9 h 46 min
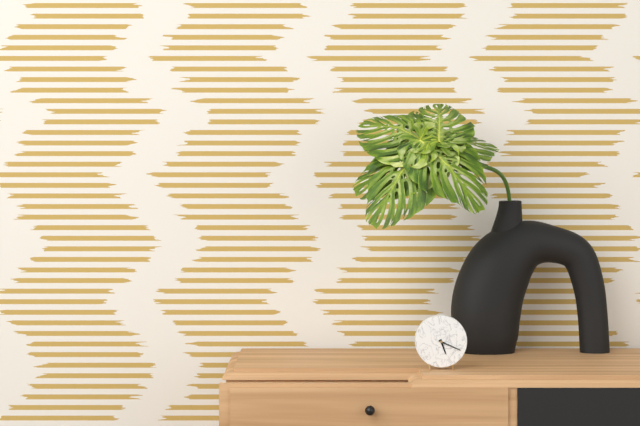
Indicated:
5 h 19 min
